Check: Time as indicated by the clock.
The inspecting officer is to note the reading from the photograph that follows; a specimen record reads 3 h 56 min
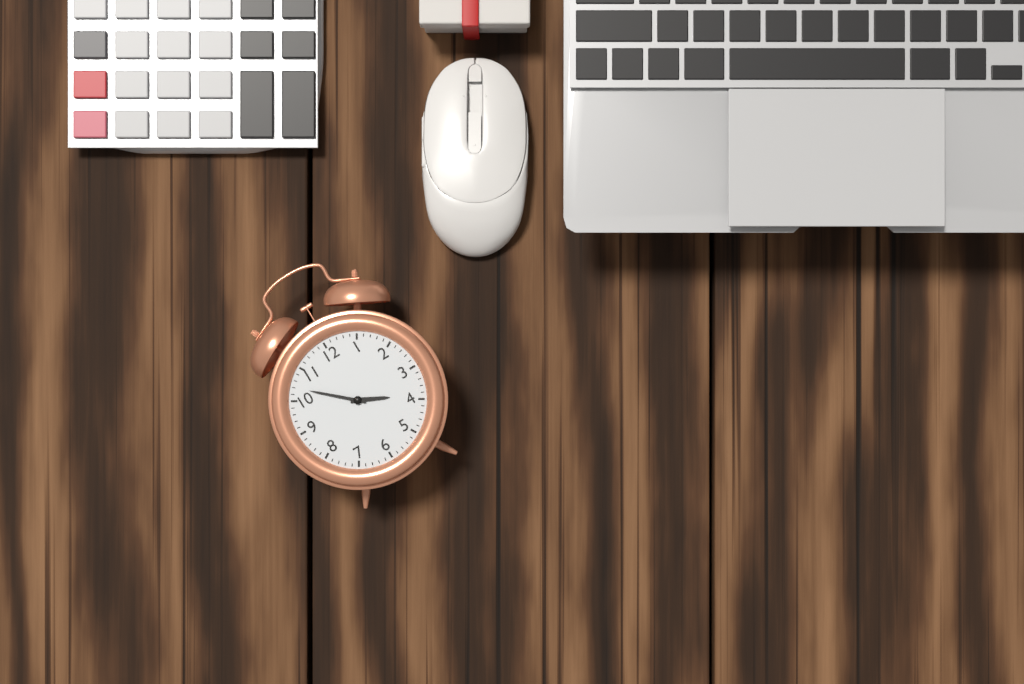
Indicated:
3 h 52 min
